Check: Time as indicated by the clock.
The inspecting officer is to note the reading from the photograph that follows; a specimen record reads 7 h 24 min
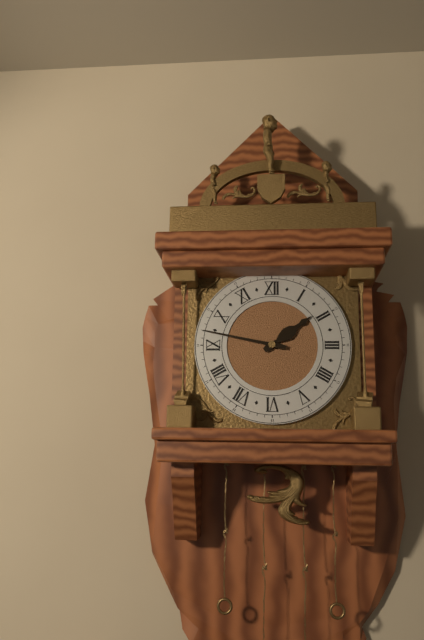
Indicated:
1 h 47 min
